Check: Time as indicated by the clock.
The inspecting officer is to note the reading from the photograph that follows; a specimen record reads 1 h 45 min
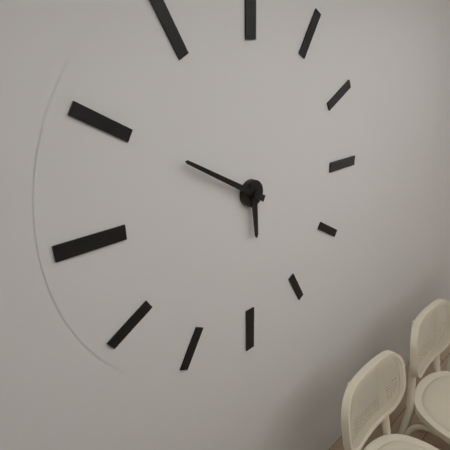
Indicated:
5 h 50 min
